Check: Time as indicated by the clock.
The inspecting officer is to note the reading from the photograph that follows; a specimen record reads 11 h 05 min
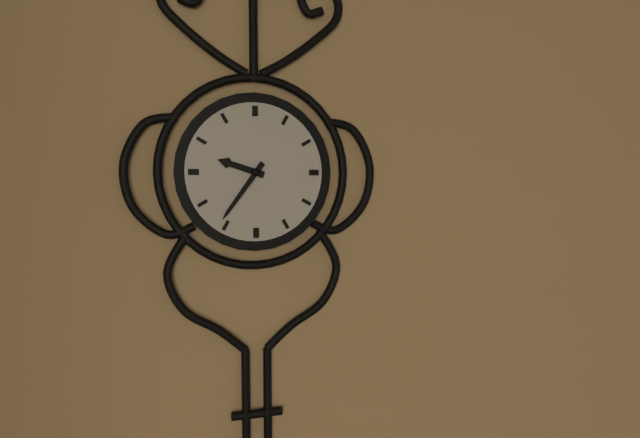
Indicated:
9 h 36 min
